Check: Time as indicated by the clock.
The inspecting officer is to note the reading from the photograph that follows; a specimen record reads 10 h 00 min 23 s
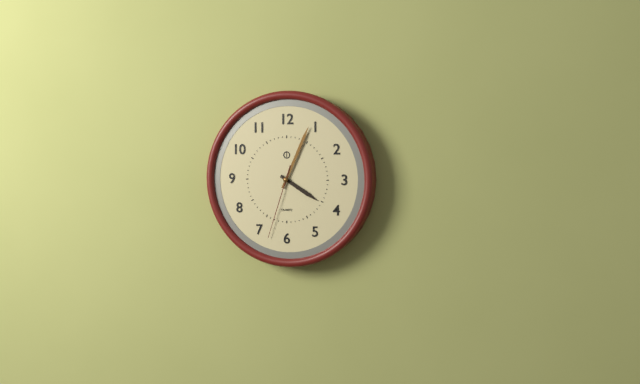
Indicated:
4 h 04 min 33 s
